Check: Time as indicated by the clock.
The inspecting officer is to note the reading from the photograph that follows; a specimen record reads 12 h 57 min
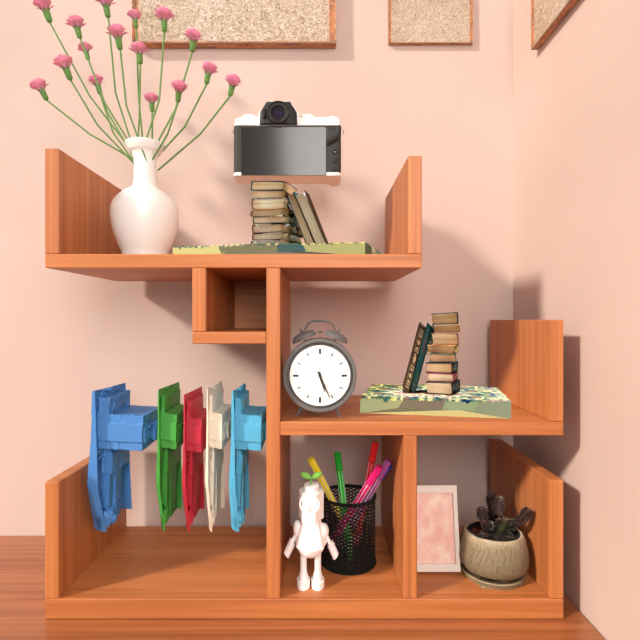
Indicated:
5 h 26 min
